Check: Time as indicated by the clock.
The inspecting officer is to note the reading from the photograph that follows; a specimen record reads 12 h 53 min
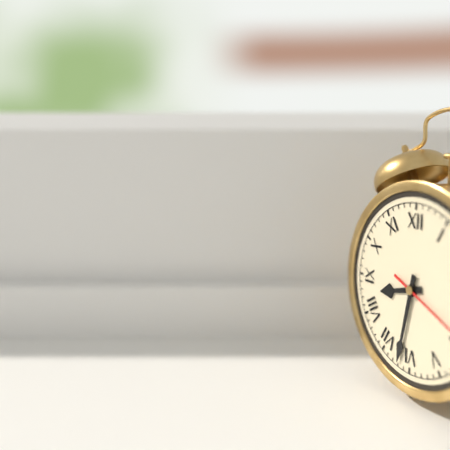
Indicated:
8 h 32 min
